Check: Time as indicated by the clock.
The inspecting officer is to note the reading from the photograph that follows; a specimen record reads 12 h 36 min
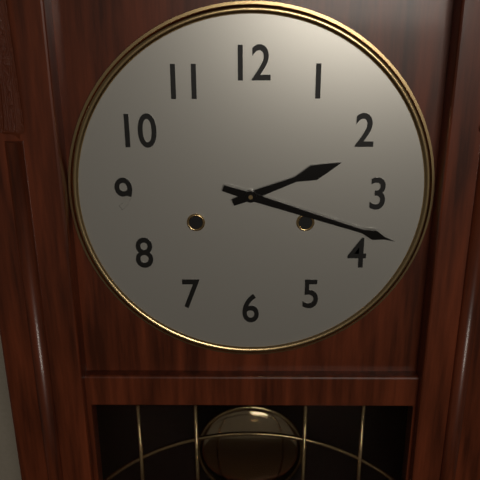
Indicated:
2 h 18 min
